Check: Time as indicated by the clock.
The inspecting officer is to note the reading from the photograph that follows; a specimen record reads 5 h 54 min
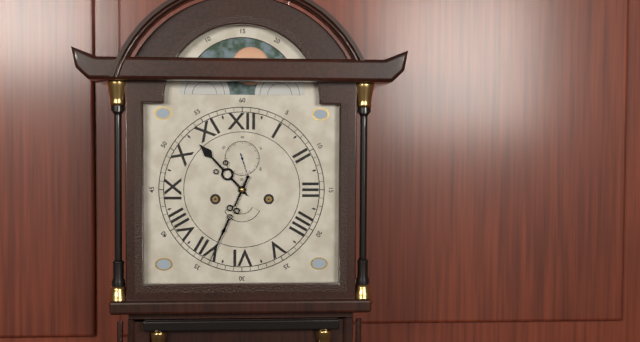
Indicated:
10 h 34 min
